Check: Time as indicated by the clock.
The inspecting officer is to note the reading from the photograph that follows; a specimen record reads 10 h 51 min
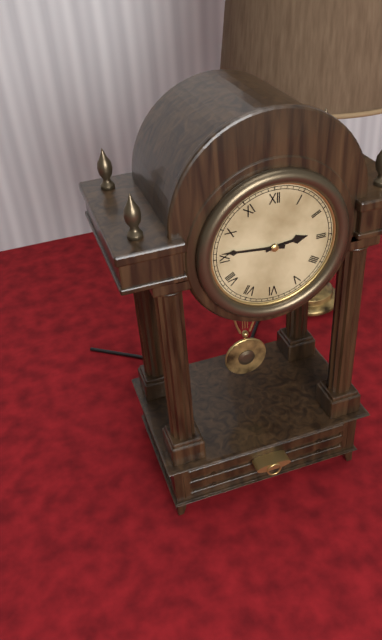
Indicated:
2 h 46 min
